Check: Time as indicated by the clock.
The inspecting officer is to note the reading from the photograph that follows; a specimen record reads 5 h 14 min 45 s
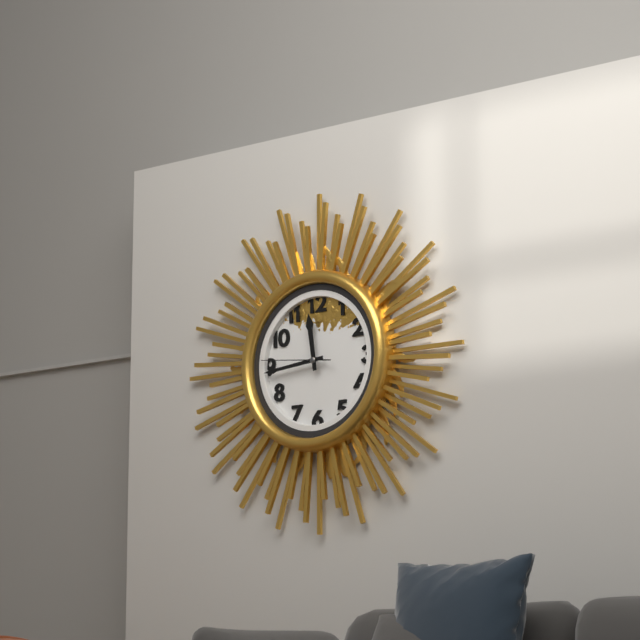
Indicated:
11 h 44 min 46 s
